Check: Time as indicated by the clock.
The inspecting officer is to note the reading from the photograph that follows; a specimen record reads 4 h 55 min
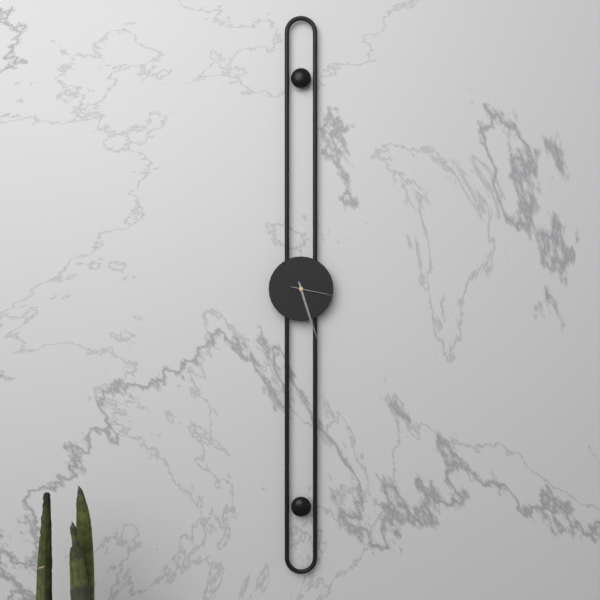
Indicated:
5 h 27 min
